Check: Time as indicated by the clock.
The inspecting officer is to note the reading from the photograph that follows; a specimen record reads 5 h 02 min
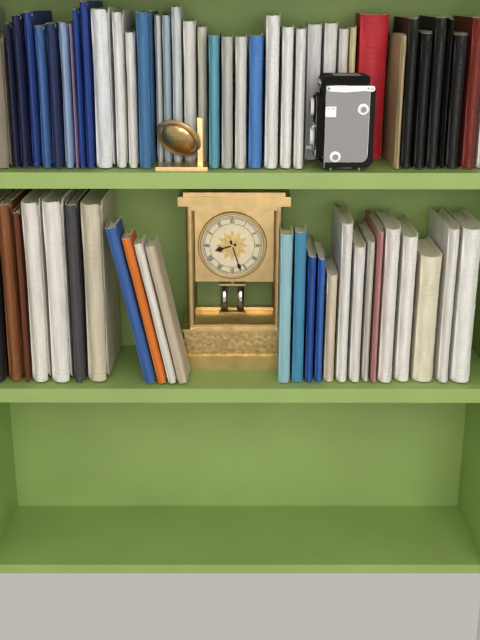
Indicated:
8 h 27 min
